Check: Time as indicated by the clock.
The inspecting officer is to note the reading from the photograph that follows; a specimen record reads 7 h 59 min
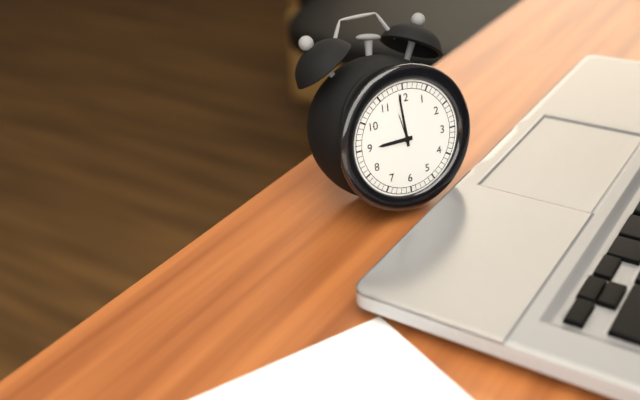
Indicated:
8 h 59 min
